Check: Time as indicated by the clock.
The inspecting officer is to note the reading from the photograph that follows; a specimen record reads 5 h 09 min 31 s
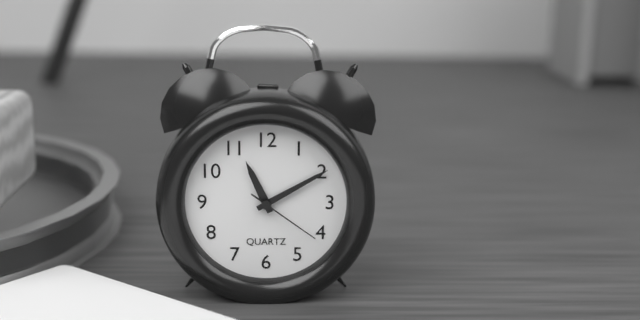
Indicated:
11 h 10 min 21 s
